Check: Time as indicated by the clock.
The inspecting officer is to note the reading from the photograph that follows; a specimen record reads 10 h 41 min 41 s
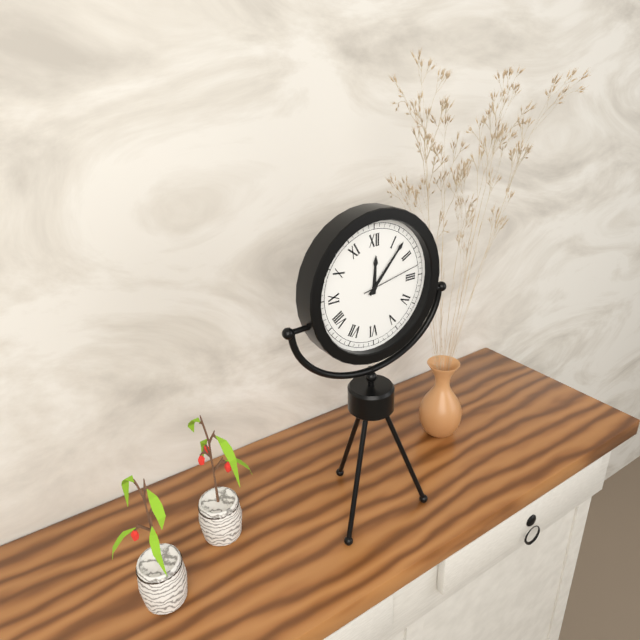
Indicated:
12 h 07 min 13 s
